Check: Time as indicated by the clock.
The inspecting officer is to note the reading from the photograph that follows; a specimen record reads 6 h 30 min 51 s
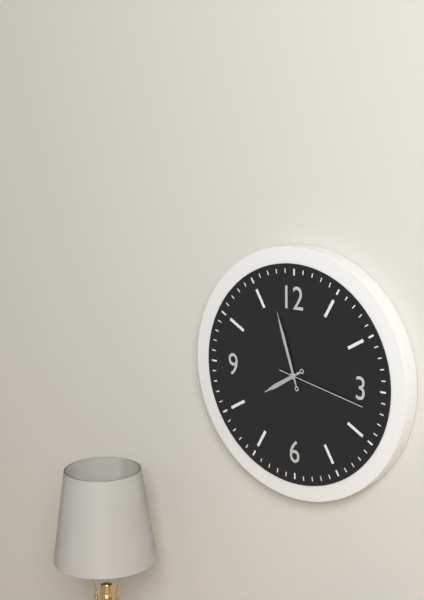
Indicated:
7 h 57 min 17 s
